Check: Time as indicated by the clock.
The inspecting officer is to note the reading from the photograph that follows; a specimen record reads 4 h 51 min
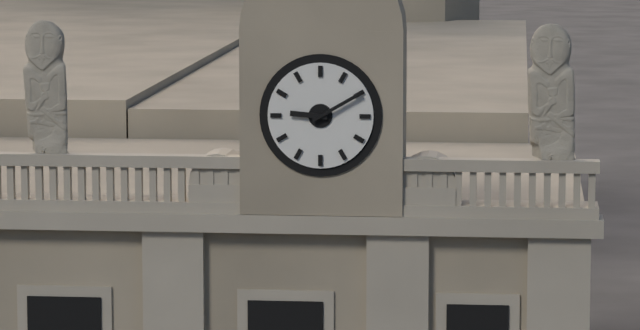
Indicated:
9 h 10 min
